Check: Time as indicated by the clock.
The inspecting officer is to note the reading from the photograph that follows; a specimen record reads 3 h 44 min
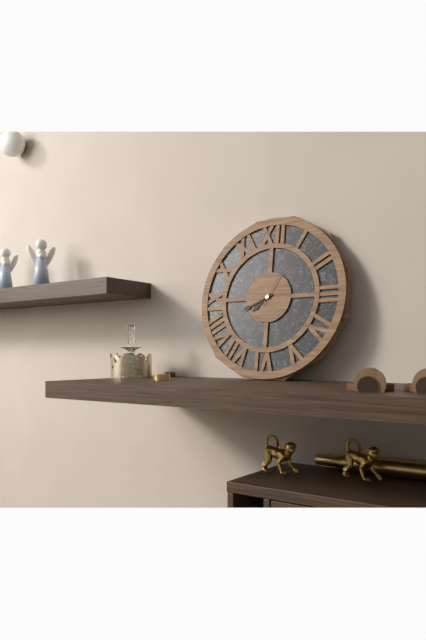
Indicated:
7 h 41 min
